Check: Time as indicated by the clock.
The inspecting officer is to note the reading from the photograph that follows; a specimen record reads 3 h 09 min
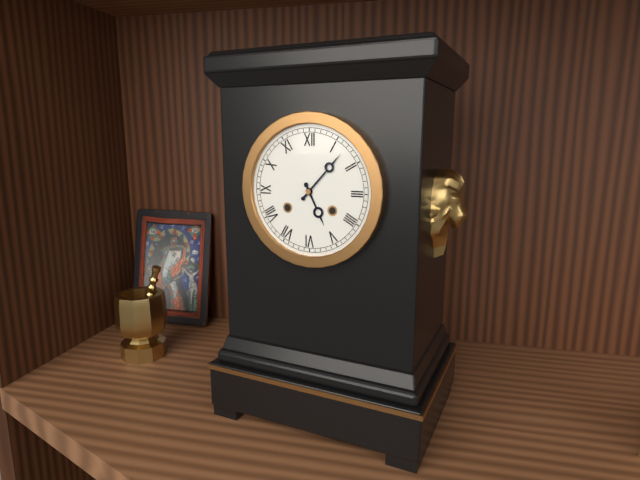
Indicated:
5 h 07 min
